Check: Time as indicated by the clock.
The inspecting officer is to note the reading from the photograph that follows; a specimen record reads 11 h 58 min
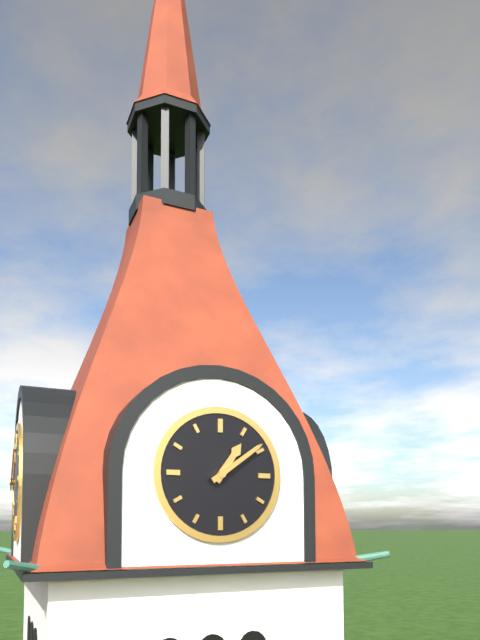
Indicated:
1 h 09 min
